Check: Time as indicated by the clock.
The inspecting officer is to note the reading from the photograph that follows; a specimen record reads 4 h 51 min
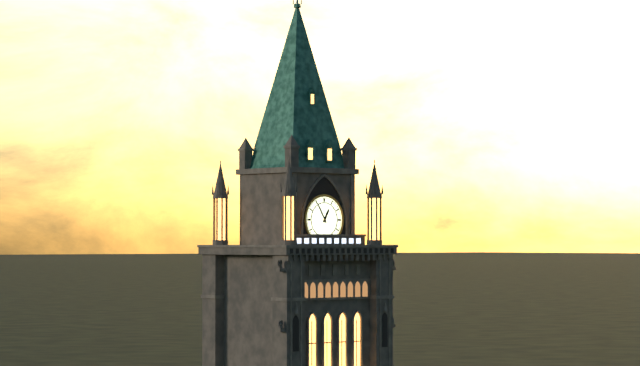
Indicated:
12 h 55 min
